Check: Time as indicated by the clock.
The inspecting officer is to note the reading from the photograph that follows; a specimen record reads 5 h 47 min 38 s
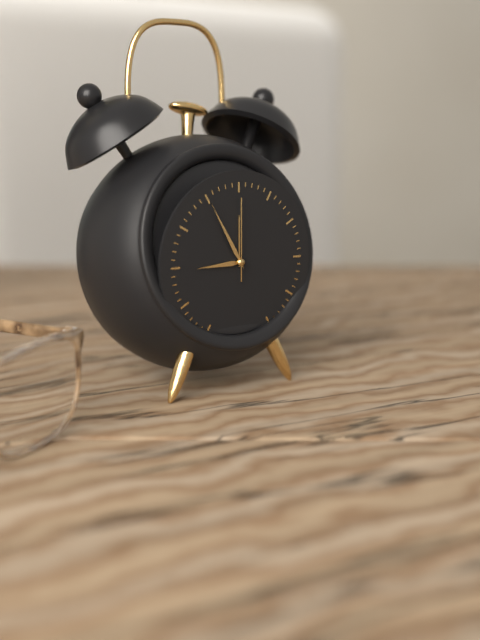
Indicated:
8 h 55 min 00 s
